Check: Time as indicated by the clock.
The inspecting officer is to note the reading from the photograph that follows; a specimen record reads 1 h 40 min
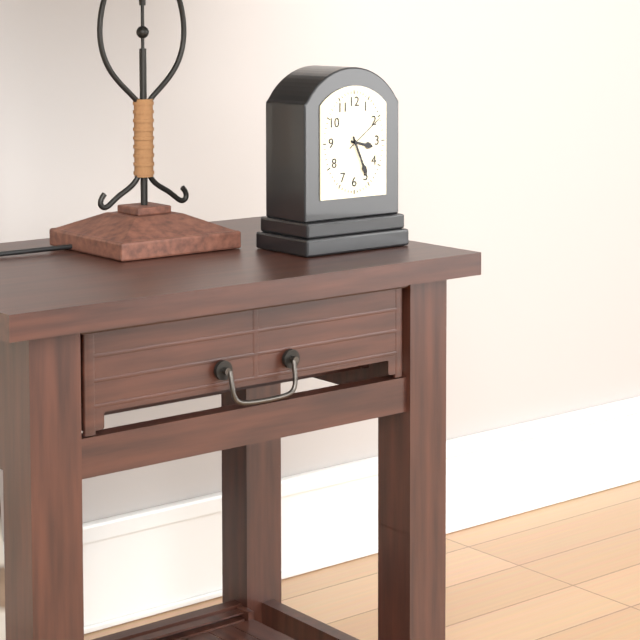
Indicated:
3 h 26 min
